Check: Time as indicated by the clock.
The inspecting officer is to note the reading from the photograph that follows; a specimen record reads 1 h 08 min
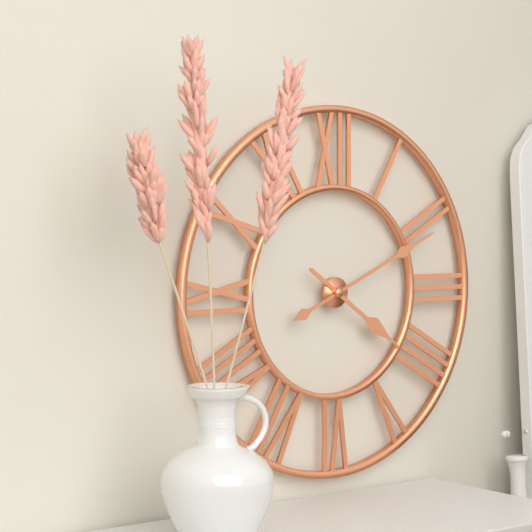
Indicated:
4 h 11 min
